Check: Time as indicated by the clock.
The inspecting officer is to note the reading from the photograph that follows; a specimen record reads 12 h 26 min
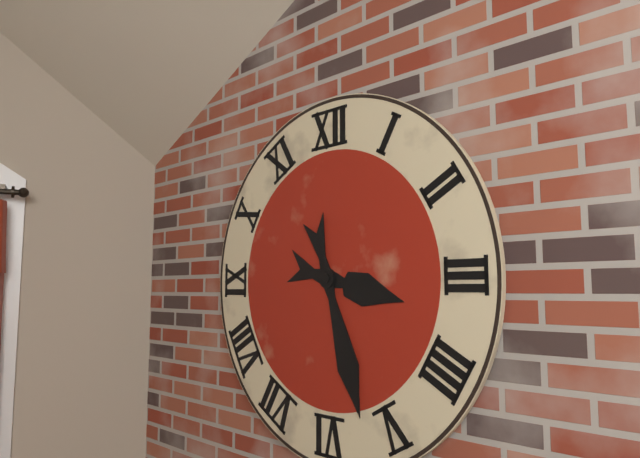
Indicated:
3 h 27 min
